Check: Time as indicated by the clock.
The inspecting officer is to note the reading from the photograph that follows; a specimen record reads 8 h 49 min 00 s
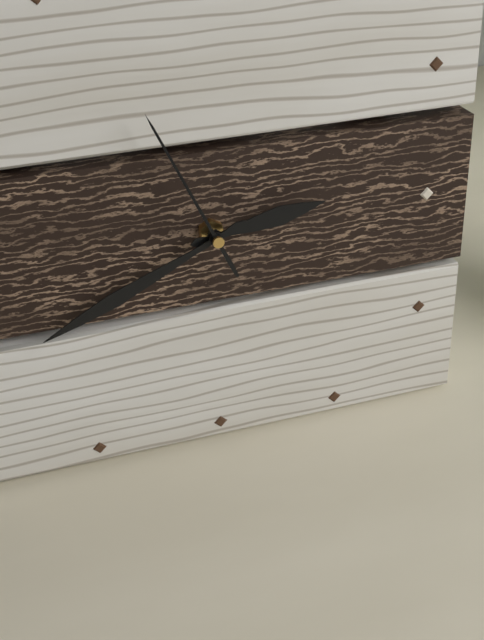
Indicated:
2 h 41 min 56 s
